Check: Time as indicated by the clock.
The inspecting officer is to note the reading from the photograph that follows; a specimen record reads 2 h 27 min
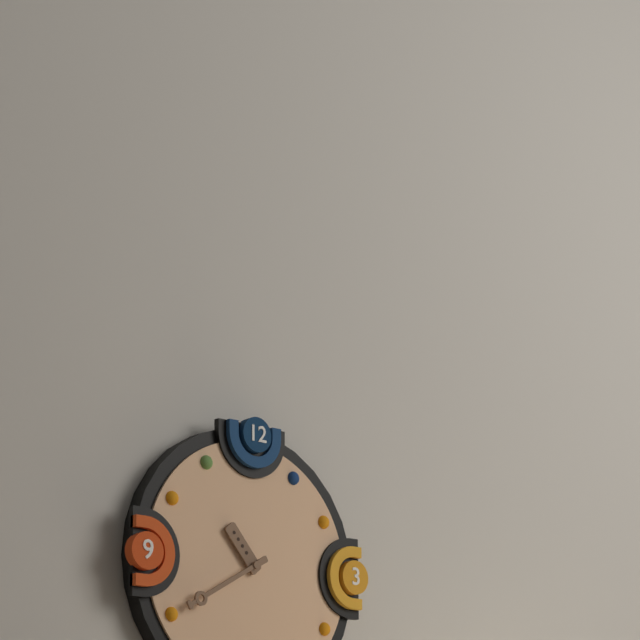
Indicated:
10 h 40 min
